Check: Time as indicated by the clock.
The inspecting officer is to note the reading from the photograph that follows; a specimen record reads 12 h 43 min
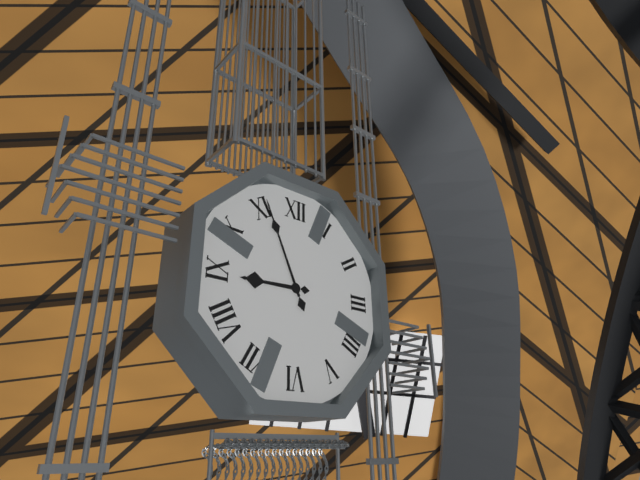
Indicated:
8 h 56 min
